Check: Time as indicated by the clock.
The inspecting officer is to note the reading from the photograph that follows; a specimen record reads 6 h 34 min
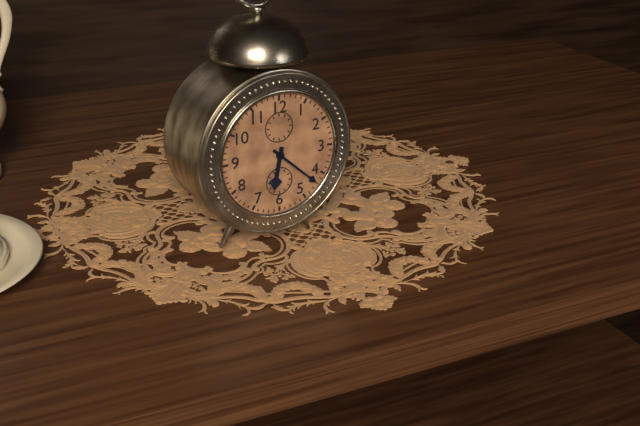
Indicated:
6 h 22 min
